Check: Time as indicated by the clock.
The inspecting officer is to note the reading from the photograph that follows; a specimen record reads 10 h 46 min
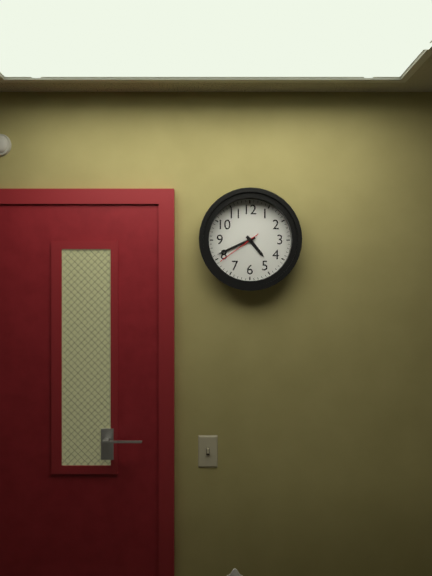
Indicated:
4 h 41 min
